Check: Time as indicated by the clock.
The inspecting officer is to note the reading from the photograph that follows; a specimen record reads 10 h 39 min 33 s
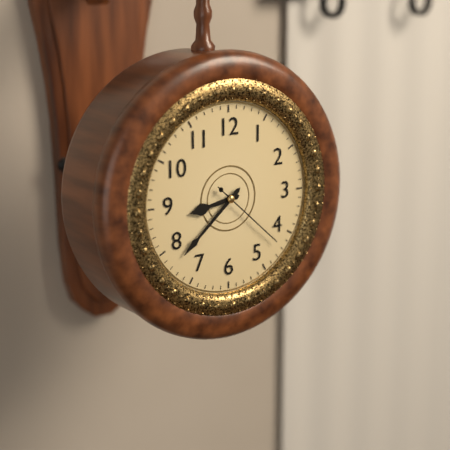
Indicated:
8 h 38 min 22 s
